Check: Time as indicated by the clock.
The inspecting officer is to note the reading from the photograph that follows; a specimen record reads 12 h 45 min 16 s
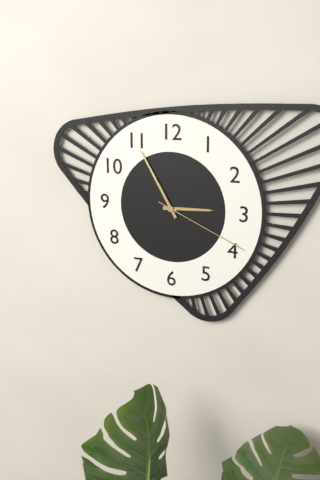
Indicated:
2 h 55 min 19 s
